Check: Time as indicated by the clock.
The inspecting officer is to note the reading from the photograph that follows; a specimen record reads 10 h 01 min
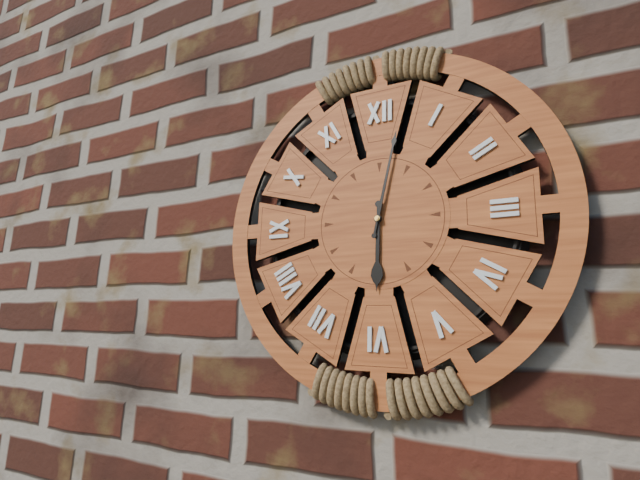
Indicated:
6 h 02 min
